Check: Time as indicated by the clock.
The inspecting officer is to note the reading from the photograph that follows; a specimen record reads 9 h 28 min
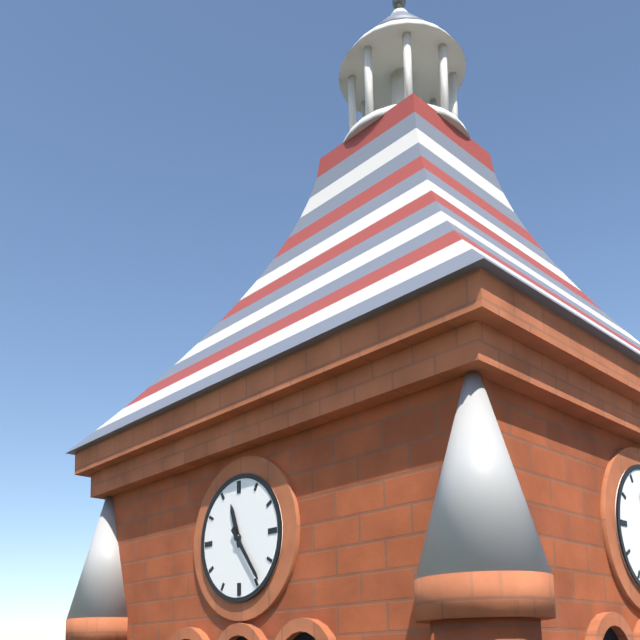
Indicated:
11 h 24 min
